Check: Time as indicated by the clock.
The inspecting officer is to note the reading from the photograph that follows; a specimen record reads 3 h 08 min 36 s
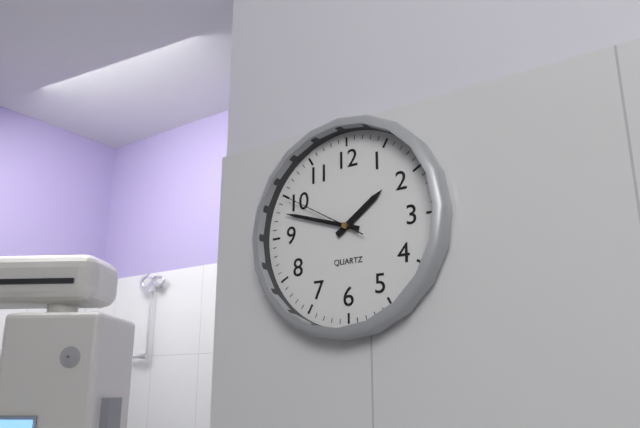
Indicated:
1 h 48 min 50 s
